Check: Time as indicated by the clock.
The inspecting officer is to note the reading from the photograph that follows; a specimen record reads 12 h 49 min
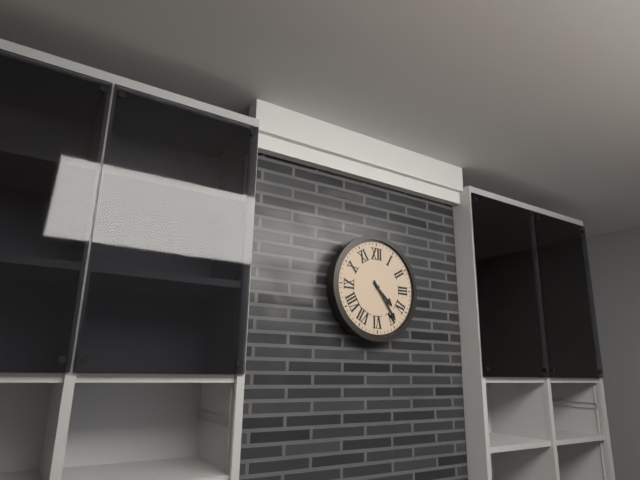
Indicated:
4 h 24 min
